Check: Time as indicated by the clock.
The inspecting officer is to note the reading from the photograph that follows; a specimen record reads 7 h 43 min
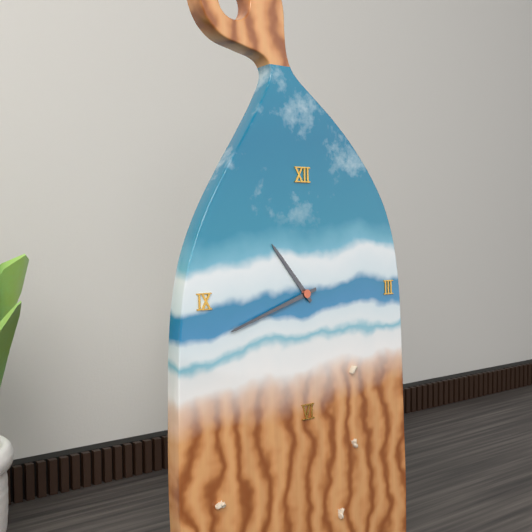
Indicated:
10 h 42 min
